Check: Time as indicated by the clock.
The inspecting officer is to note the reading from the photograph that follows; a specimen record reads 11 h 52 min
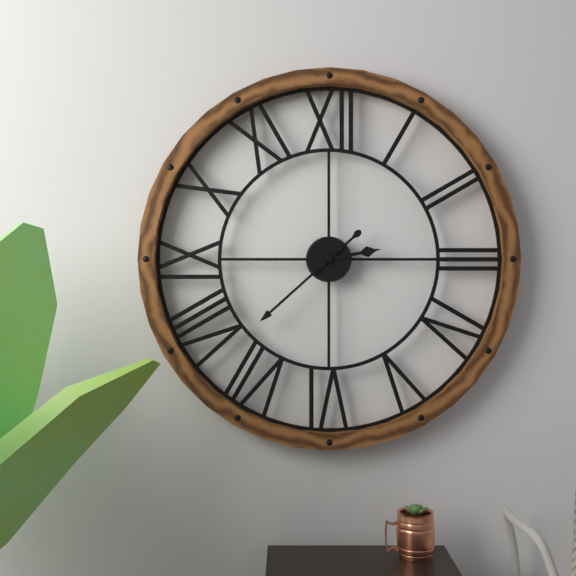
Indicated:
2 h 38 min
